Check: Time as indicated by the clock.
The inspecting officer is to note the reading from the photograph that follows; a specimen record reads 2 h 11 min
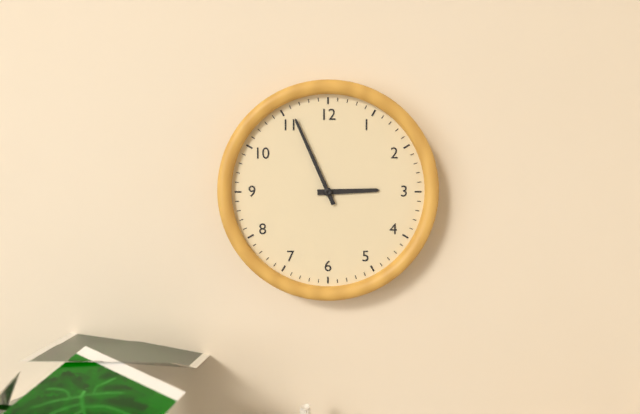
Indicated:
2 h 56 min
